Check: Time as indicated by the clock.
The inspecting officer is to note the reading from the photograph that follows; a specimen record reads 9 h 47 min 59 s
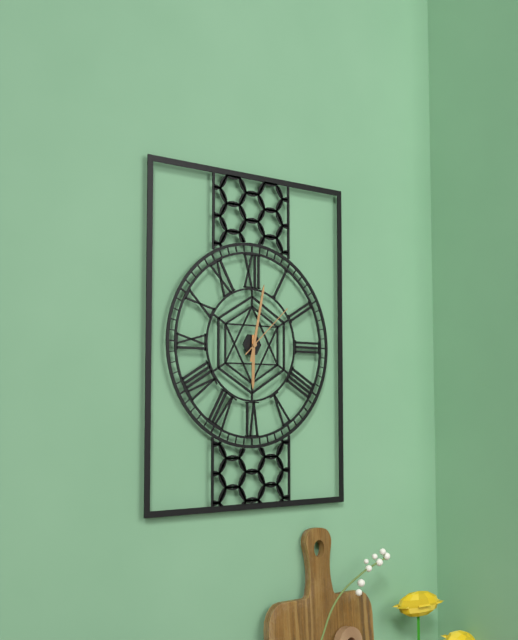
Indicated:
6 h 02 min 08 s
